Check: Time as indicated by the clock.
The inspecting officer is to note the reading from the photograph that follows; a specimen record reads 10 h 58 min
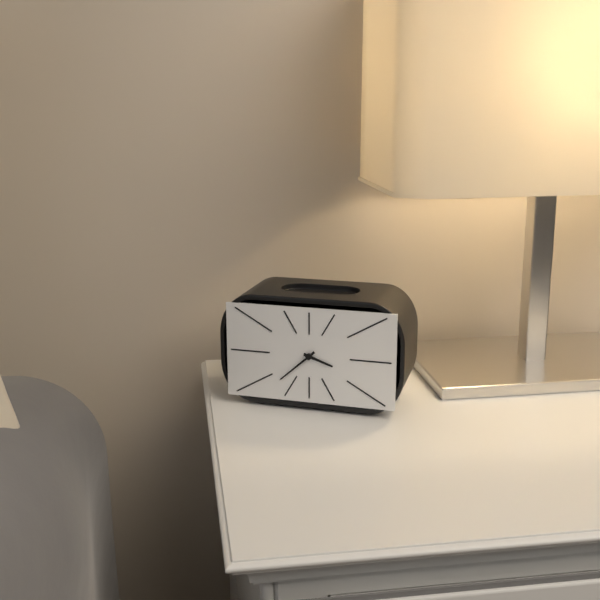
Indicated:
3 h 38 min
